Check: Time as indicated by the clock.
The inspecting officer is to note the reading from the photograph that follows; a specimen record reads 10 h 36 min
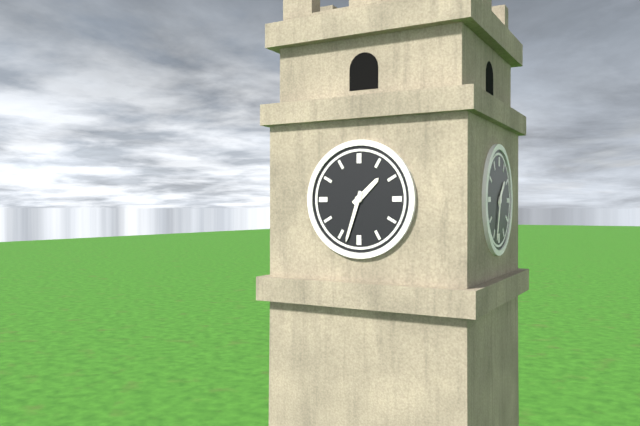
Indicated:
1 h 33 min
